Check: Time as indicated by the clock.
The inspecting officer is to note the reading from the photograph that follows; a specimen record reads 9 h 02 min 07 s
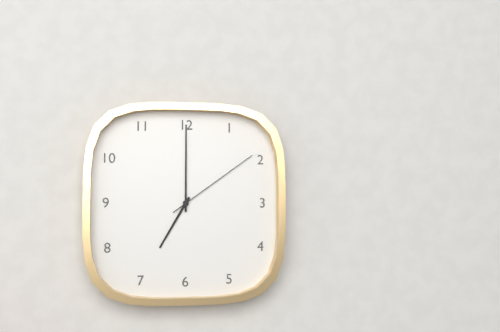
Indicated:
7 h 00 min 09 s
